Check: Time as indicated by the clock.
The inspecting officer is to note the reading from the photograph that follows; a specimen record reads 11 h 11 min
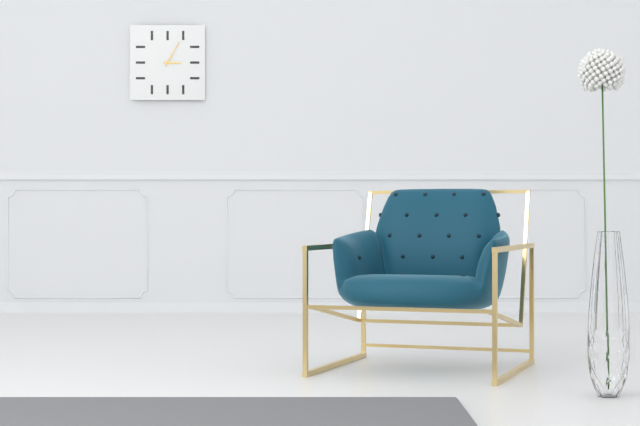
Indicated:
3 h 05 min
